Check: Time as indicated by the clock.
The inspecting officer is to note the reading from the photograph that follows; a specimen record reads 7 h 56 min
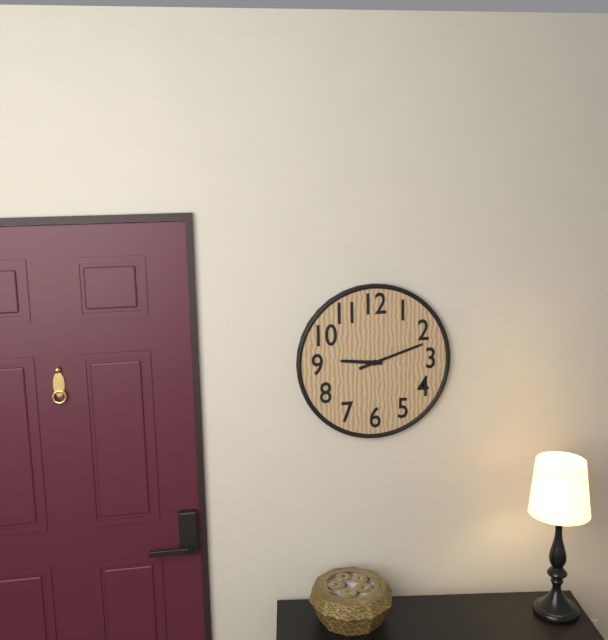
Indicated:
9 h 12 min
